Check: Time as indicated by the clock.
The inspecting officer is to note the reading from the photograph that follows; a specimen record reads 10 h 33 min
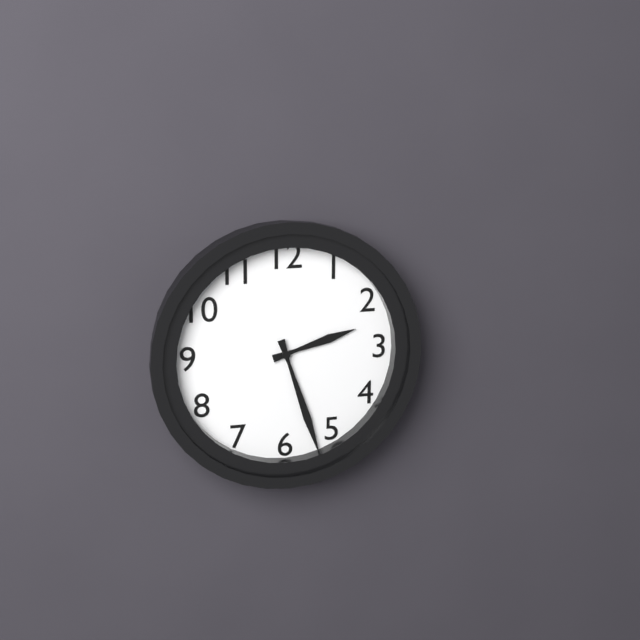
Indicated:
2 h 27 min
